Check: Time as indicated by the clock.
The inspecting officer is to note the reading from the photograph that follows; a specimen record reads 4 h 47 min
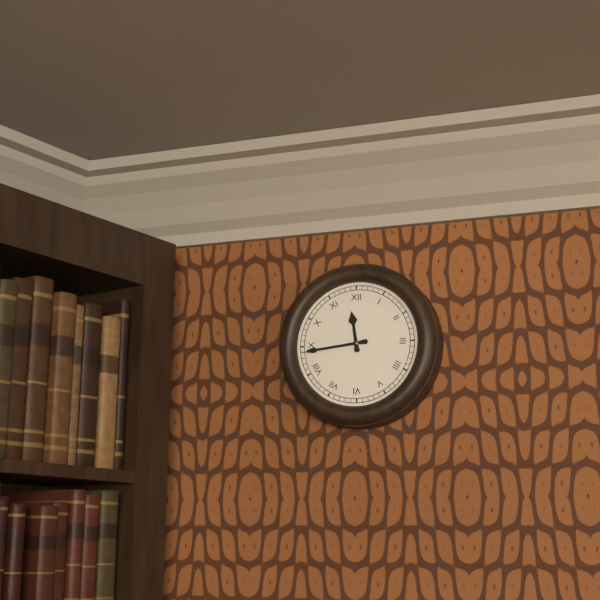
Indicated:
11 h 44 min
